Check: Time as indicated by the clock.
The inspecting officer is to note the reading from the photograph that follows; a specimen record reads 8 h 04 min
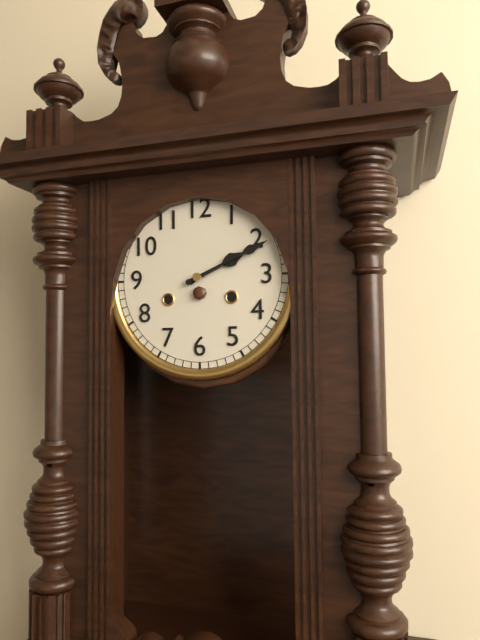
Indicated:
2 h 11 min
